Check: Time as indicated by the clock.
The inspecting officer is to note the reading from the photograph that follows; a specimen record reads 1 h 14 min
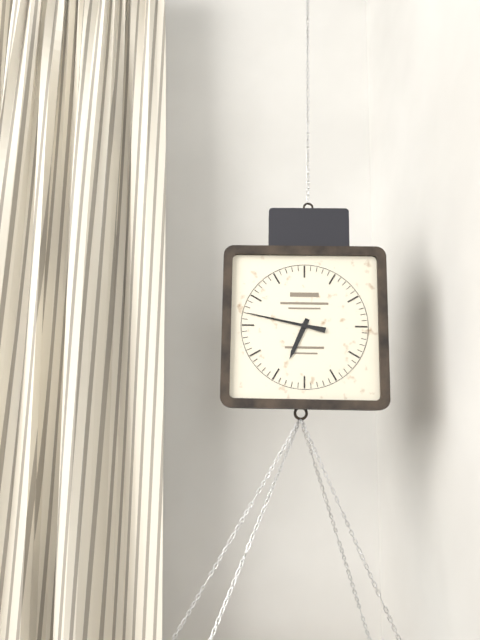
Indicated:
6 h 47 min
